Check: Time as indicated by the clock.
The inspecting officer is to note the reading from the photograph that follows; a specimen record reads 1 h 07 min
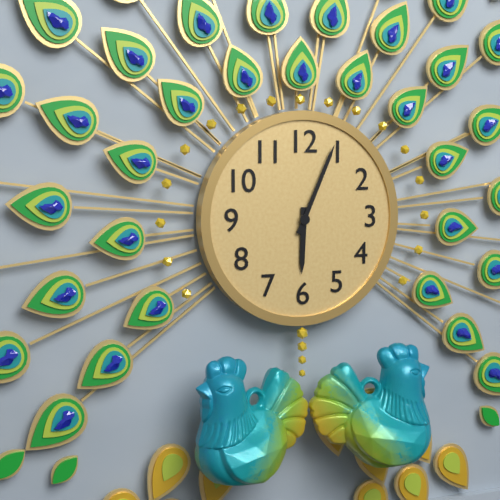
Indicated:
6 h 04 min
